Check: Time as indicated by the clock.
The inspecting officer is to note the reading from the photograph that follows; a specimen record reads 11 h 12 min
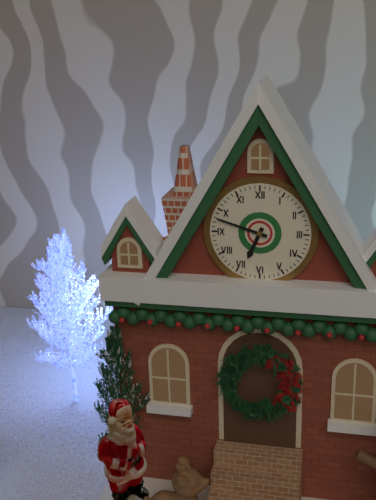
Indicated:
6 h 48 min
